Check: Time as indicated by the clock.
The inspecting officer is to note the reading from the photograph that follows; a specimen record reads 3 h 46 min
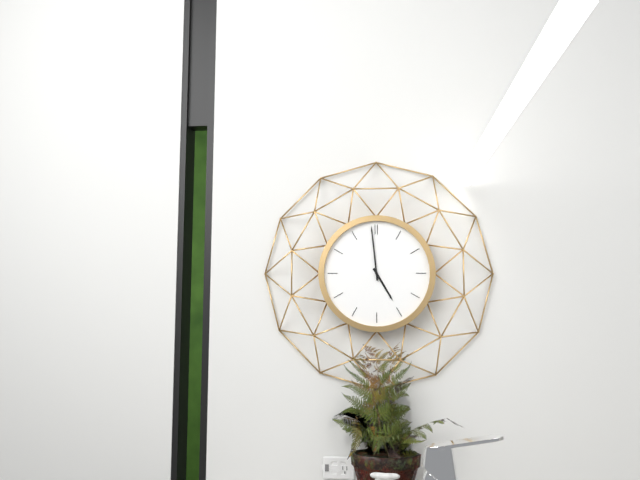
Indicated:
4 h 59 min
